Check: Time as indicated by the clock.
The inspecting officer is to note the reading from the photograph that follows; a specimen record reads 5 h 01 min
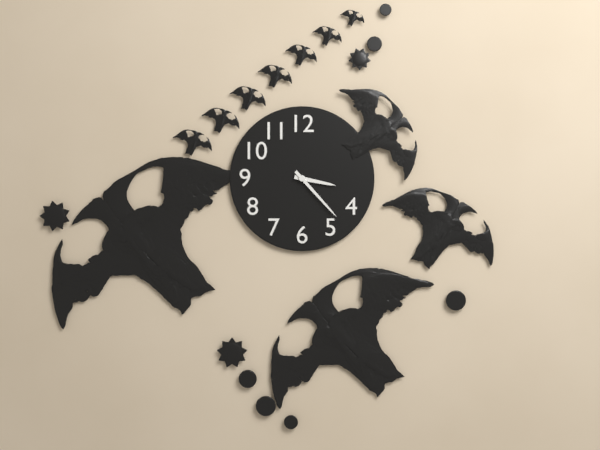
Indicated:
3 h 23 min
